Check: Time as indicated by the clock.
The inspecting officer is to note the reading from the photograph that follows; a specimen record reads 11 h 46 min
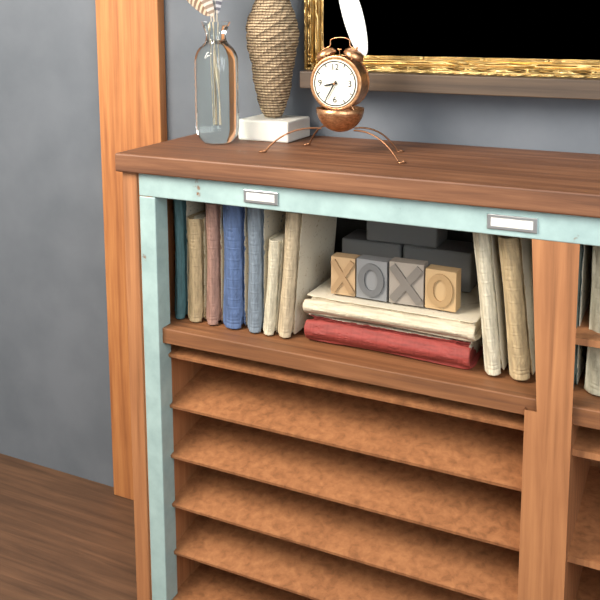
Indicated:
8 h 35 min
